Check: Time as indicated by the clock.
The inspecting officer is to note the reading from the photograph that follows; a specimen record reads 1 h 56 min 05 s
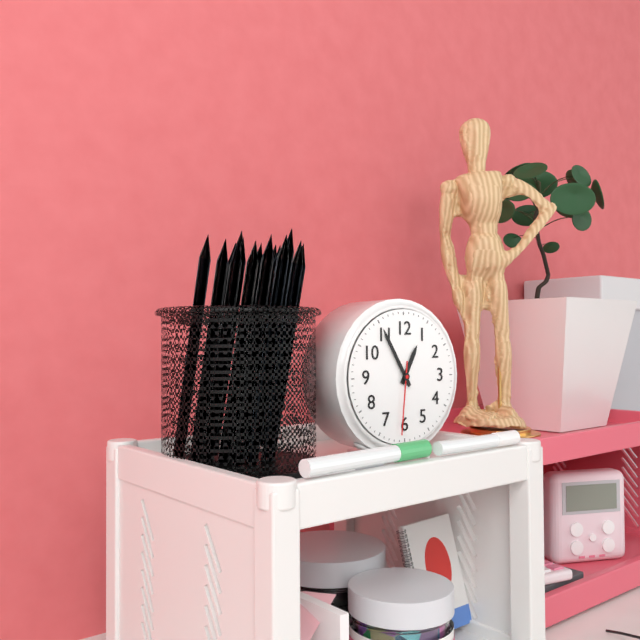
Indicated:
12 h 55 min 31 s
